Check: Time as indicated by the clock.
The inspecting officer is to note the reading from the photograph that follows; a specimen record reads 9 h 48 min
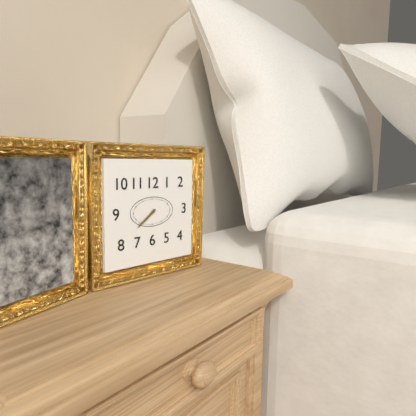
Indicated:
7 h 39 min
